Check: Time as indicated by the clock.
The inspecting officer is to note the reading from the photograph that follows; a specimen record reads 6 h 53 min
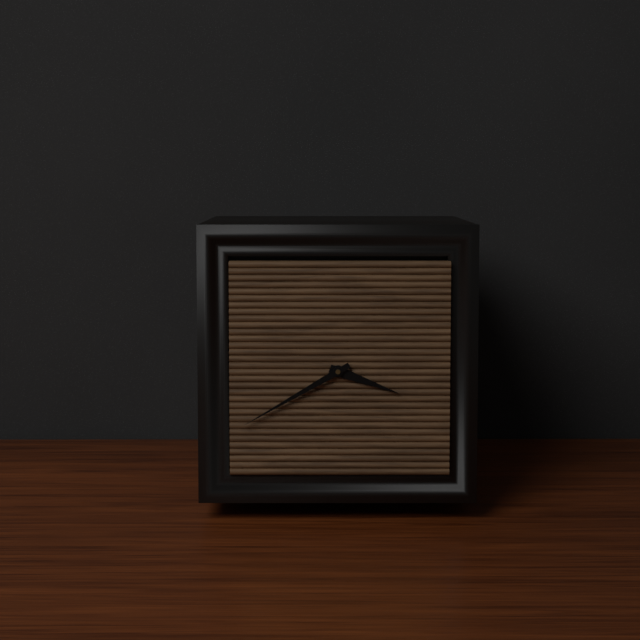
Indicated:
3 h 40 min
